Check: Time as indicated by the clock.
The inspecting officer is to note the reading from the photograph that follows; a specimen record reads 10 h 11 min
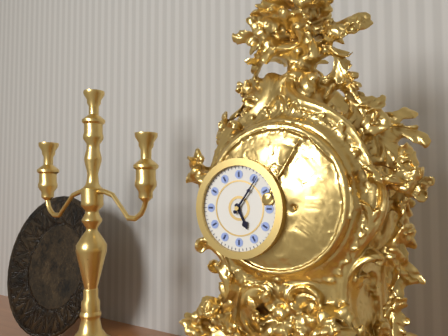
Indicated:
5 h 06 min
